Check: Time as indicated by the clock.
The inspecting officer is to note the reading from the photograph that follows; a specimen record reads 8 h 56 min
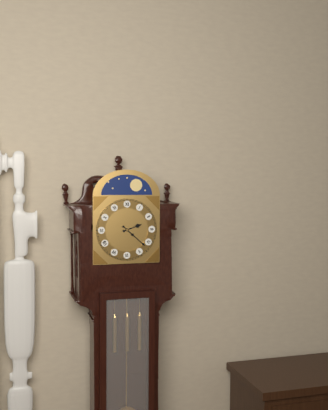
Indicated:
2 h 22 min
